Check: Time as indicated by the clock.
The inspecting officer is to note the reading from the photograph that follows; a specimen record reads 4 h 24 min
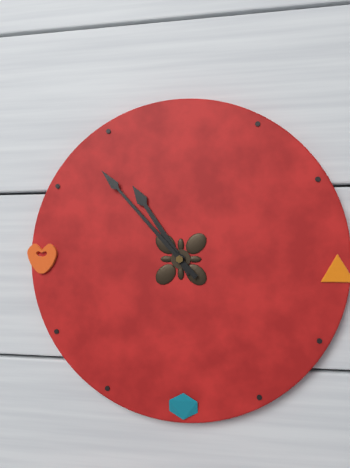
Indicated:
10 h 53 min
